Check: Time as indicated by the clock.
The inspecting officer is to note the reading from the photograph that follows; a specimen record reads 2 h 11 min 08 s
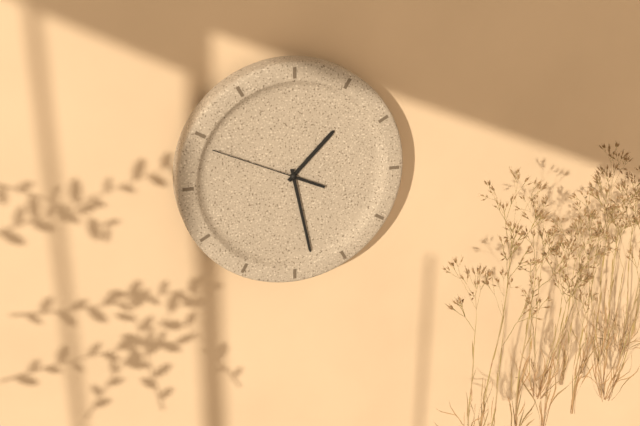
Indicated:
1 h 28 min 49 s
